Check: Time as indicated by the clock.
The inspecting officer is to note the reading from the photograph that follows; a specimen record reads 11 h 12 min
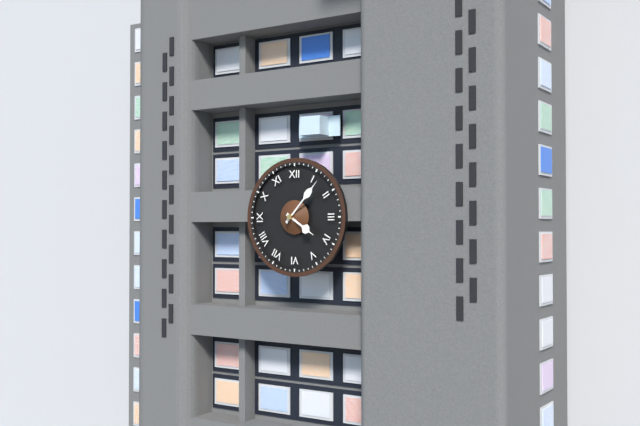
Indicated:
4 h 07 min
